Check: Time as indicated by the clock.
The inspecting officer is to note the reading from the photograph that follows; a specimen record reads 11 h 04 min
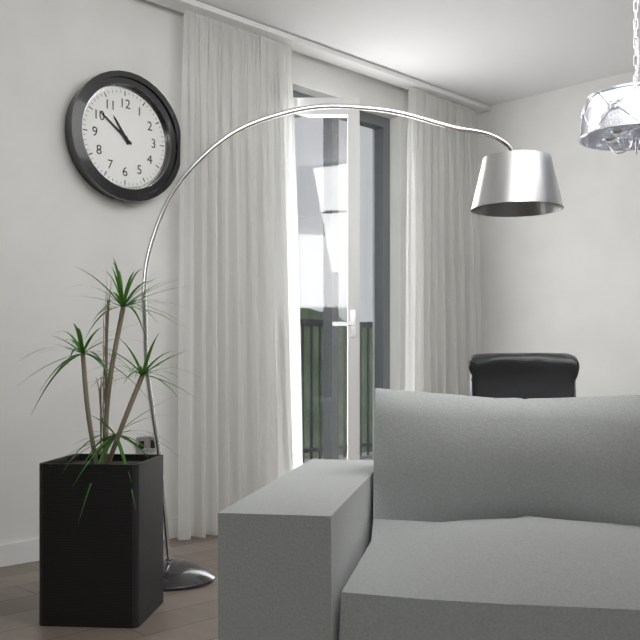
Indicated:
10 h 51 min
